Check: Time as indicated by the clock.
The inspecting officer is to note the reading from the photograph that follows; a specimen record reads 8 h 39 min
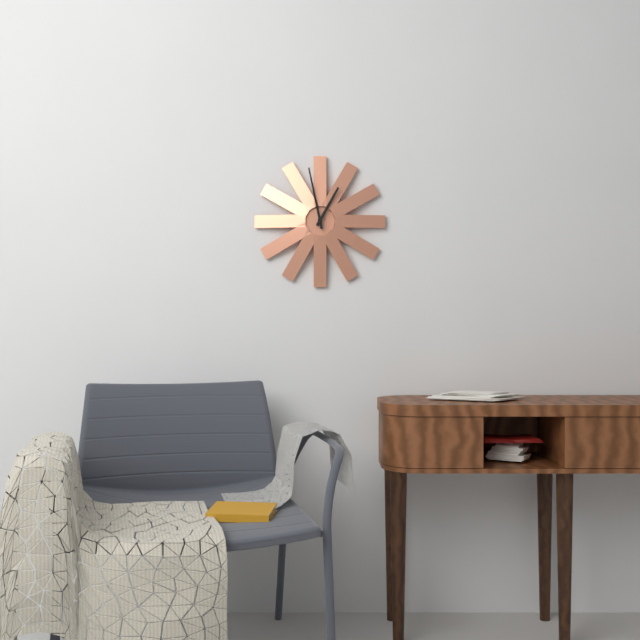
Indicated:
12 h 58 min
